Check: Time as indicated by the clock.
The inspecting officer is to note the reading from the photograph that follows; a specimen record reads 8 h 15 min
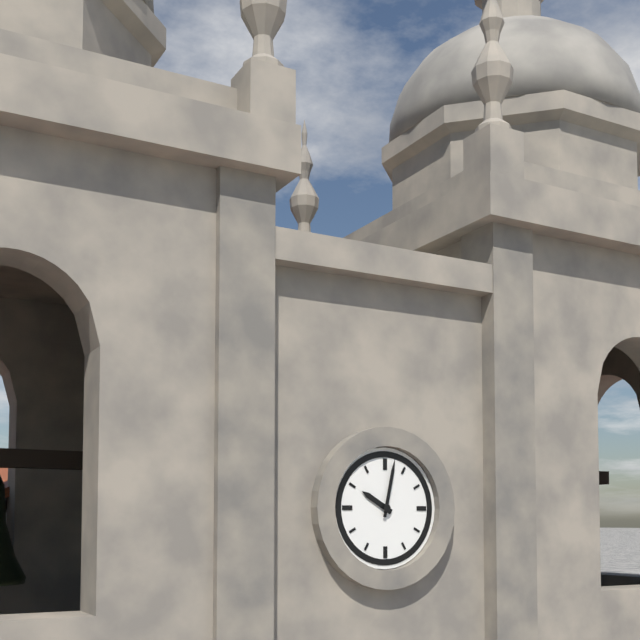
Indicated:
10 h 02 min
